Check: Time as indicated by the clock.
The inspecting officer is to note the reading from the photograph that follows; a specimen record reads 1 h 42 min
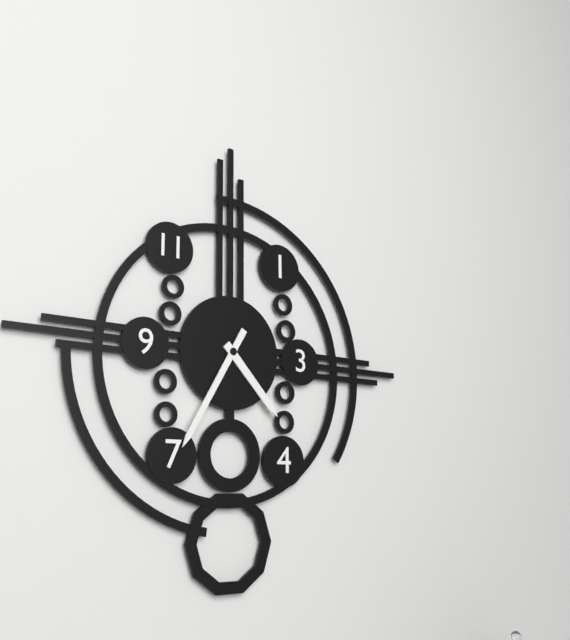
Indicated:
4 h 35 min
